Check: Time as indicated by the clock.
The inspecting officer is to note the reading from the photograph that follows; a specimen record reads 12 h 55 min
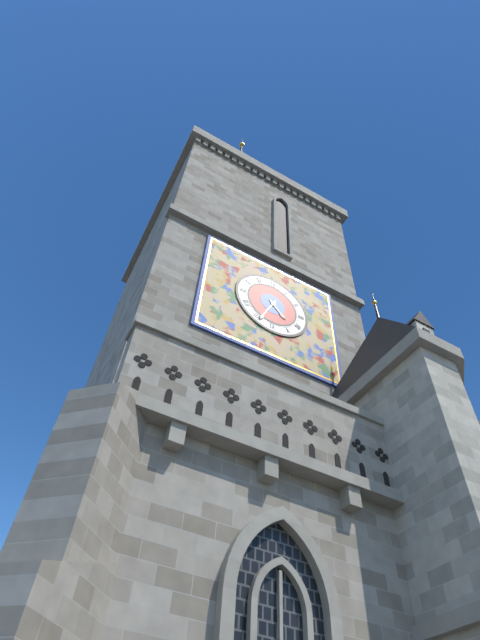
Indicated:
4 h 34 min
